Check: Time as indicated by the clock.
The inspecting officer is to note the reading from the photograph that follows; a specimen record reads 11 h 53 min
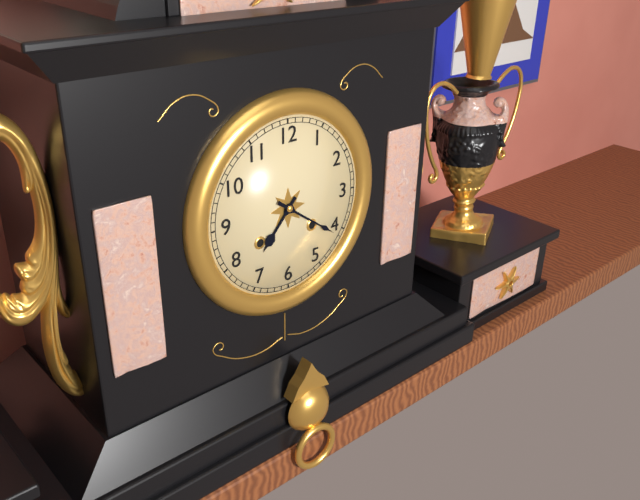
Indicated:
7 h 21 min
